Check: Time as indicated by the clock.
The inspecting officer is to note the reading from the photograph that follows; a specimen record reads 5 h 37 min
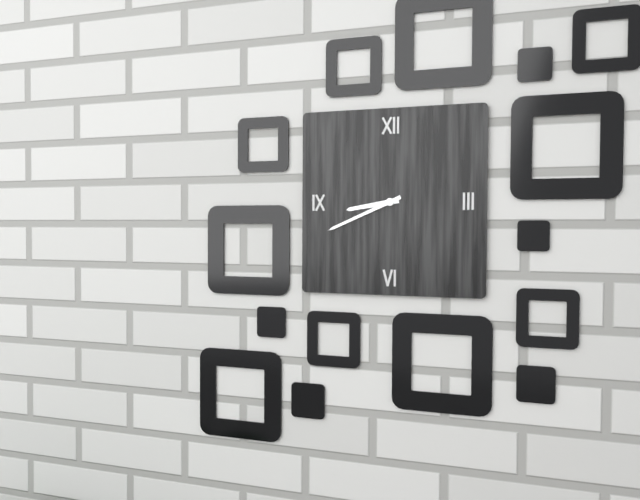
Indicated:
8 h 41 min
